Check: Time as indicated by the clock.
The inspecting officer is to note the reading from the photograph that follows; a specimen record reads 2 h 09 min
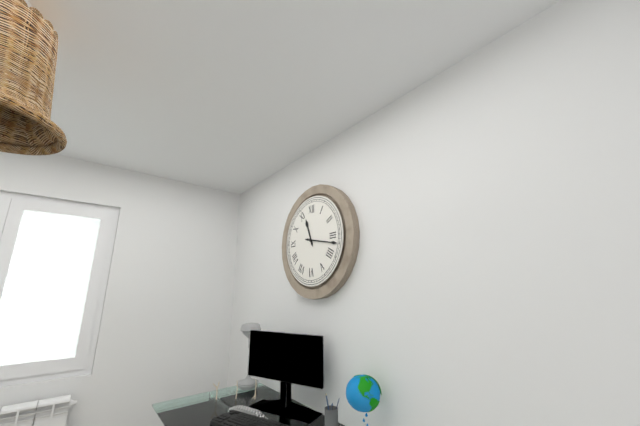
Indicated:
11 h 17 min
